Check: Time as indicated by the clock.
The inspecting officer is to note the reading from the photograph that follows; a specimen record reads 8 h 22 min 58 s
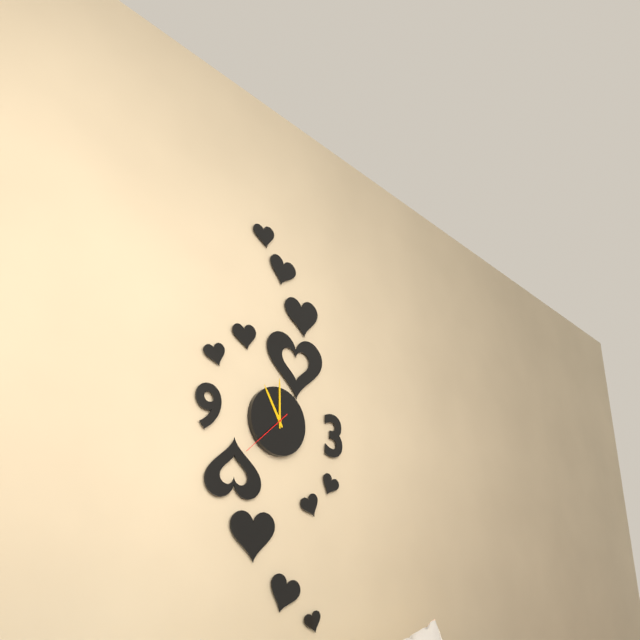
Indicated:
11 h 00 min 38 s
